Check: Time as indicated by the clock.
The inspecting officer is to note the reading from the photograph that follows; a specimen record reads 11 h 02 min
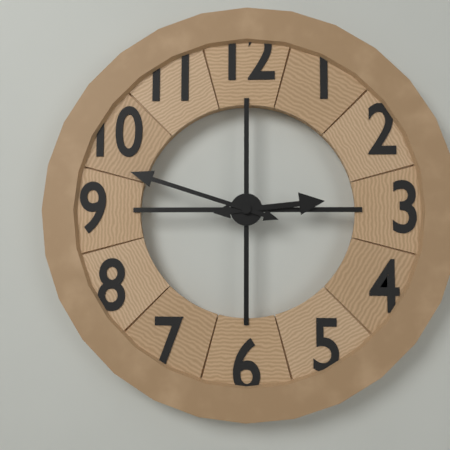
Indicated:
2 h 48 min
